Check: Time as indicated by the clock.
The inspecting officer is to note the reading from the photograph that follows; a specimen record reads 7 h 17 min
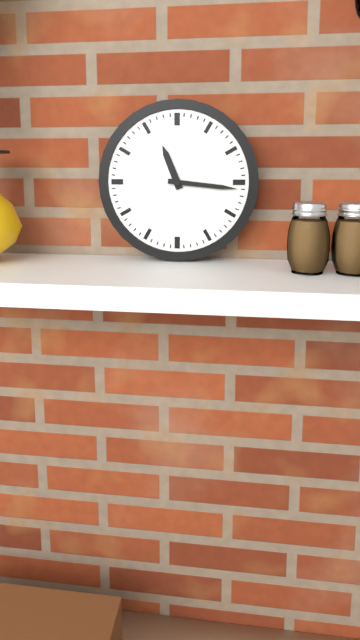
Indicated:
11 h 16 min
